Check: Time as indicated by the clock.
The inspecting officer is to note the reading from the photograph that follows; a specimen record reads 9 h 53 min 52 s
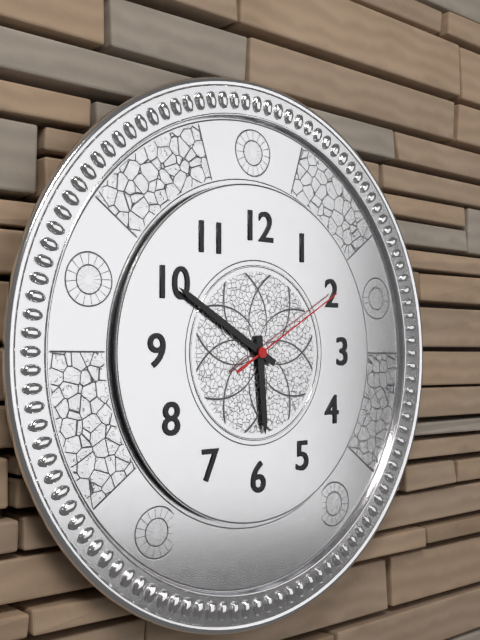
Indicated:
5 h 50 min 10 s
